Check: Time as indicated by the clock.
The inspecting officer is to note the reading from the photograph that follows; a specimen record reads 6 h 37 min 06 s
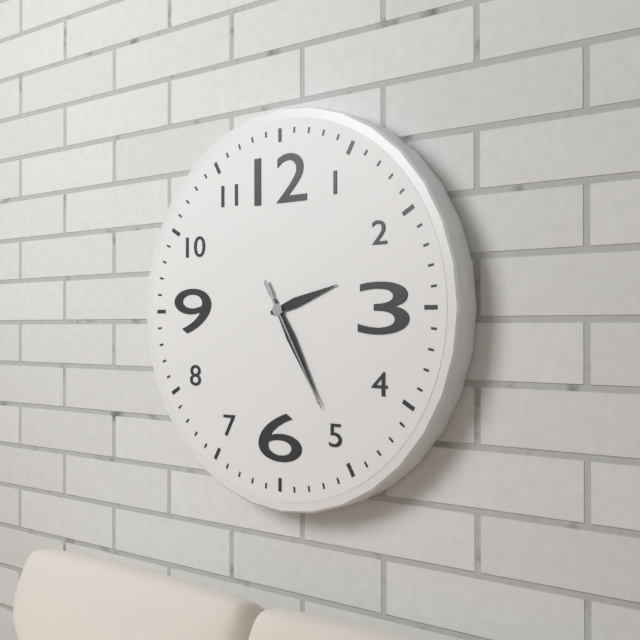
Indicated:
2 h 25 min 25 s
